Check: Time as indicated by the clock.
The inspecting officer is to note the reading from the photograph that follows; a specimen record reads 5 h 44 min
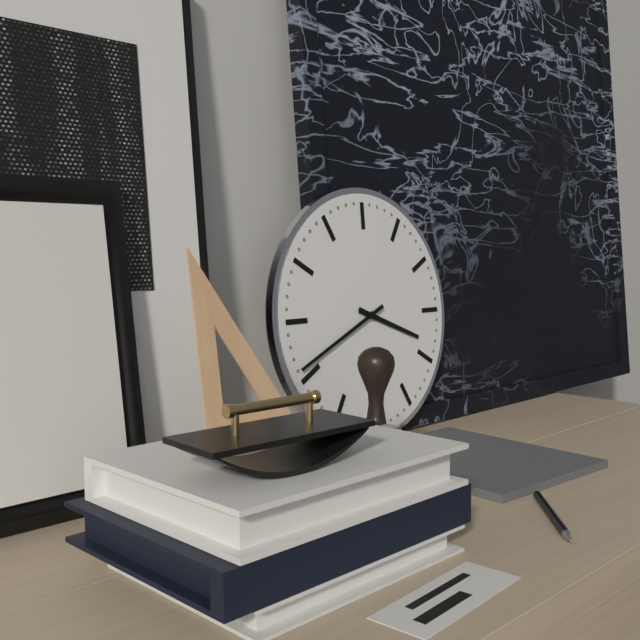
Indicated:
3 h 41 min
